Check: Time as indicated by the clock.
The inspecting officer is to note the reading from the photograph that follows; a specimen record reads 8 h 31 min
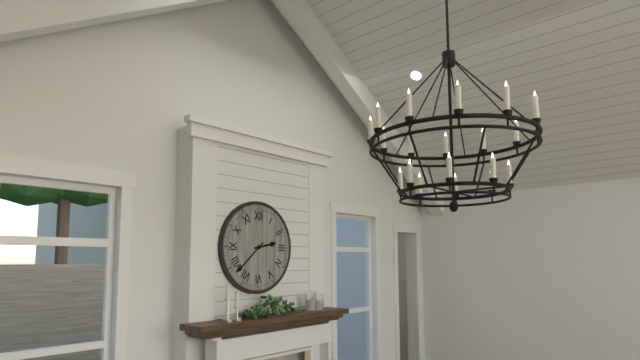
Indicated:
2 h 38 min
